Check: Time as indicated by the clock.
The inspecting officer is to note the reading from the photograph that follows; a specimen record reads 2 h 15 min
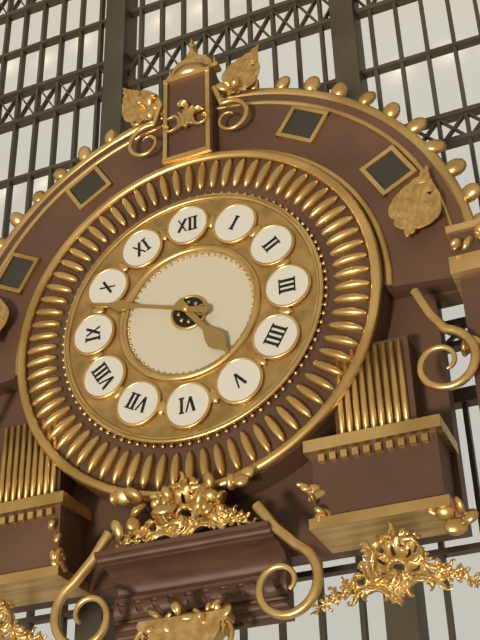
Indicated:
4 h 48 min
